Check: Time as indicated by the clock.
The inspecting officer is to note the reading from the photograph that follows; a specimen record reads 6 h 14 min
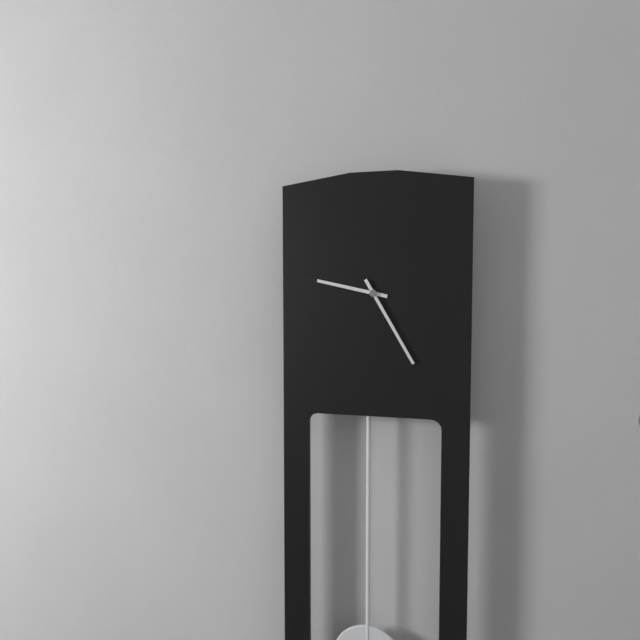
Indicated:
9 h 25 min
